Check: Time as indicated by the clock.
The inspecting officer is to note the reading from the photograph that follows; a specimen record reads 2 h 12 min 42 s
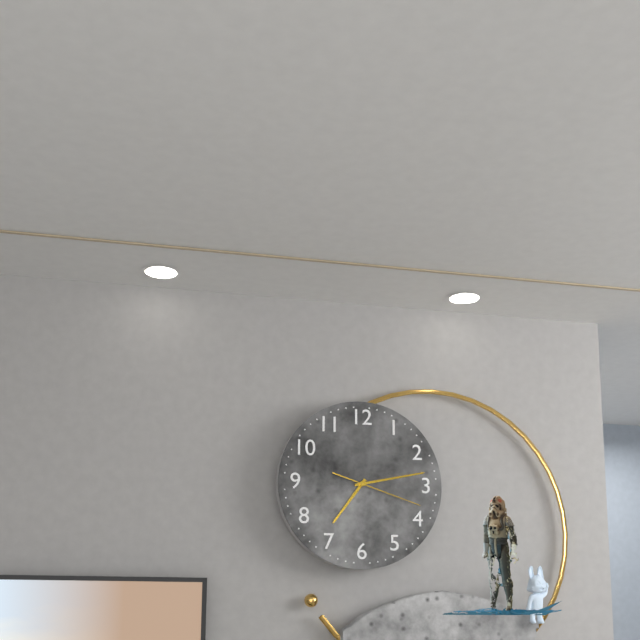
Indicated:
7 h 13 min 18 s
